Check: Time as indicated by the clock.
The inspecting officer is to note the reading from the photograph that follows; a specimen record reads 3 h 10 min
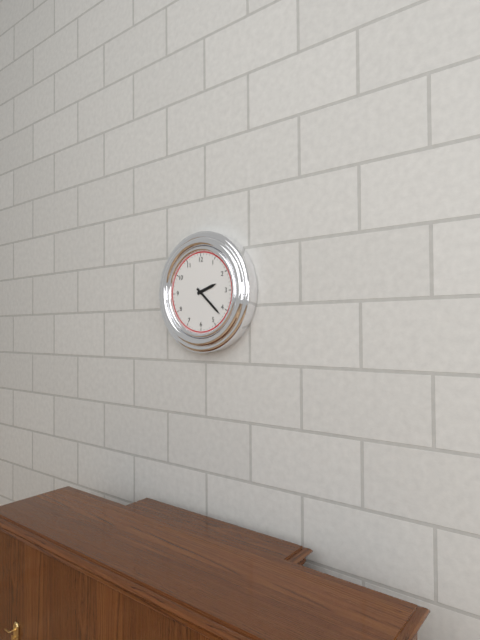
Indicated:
2 h 22 min
